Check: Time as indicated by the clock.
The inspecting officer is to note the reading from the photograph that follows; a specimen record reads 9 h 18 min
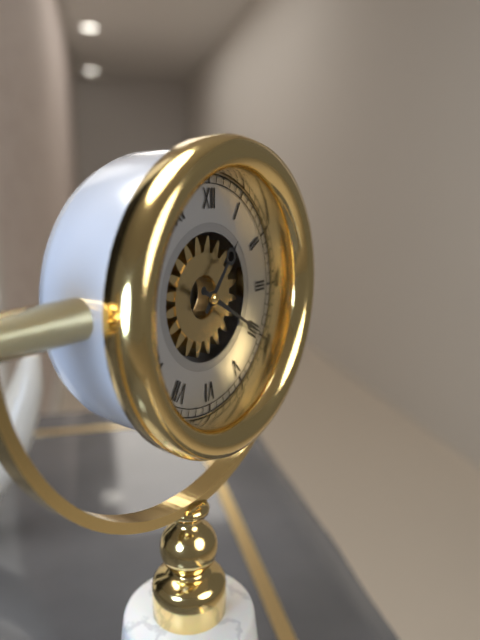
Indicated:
1 h 20 min
